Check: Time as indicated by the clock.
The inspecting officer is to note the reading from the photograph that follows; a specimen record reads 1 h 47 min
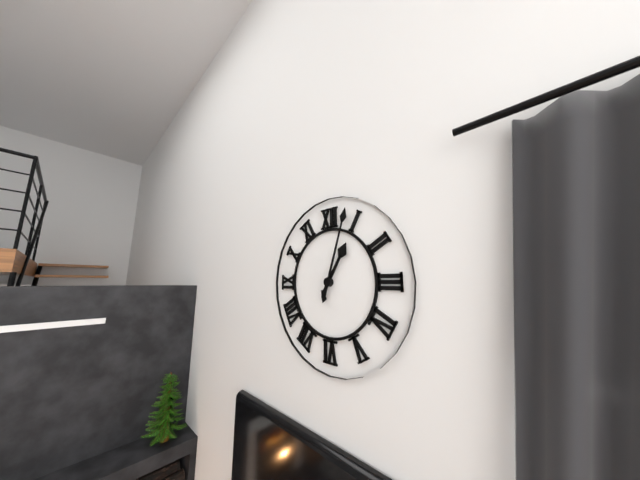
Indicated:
1 h 03 min
